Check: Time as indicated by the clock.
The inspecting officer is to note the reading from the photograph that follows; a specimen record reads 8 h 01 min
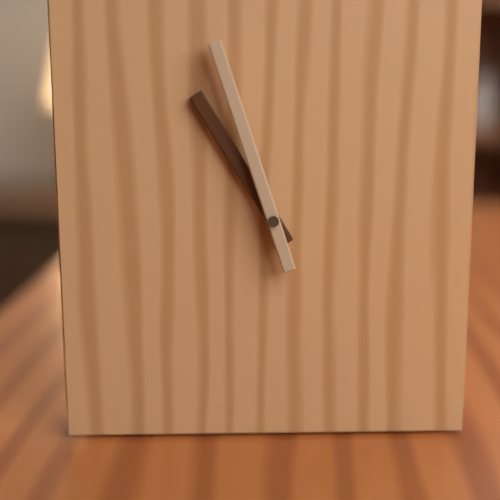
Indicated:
10 h 57 min
